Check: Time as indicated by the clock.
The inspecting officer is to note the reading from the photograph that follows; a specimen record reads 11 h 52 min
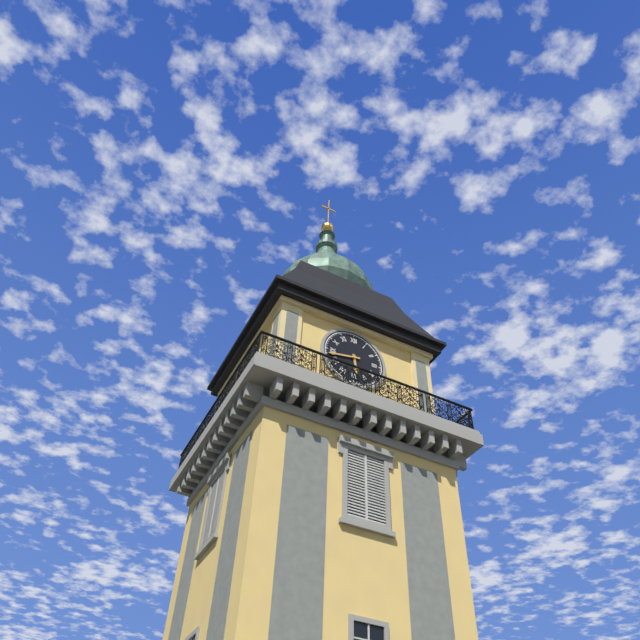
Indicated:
5 h 43 min
